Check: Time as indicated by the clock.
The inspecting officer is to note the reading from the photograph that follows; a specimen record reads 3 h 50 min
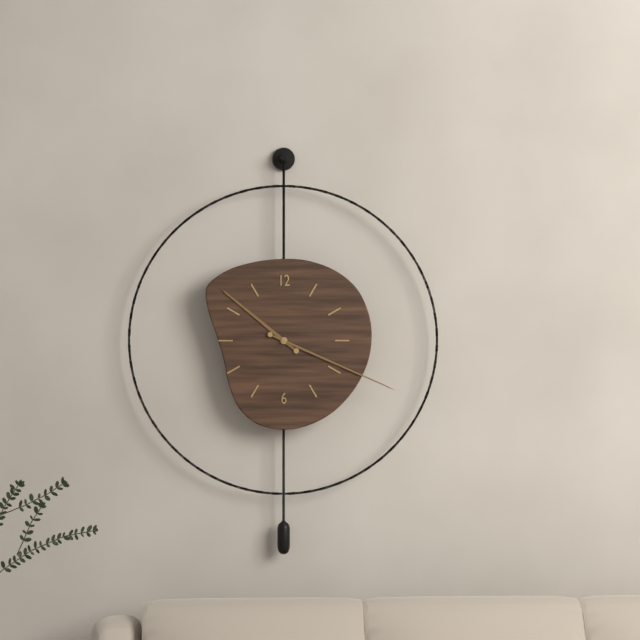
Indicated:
10 h 19 min
